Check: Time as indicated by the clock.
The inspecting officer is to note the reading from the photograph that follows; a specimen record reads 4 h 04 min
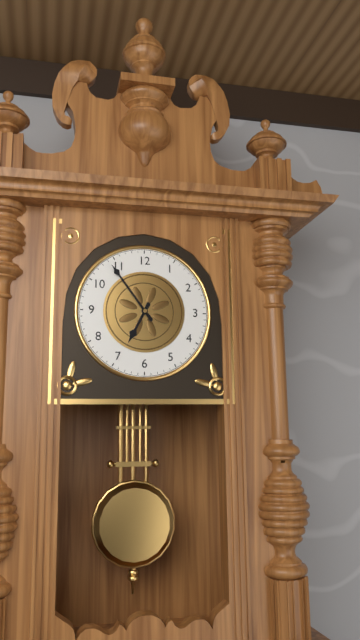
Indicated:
6 h 54 min
